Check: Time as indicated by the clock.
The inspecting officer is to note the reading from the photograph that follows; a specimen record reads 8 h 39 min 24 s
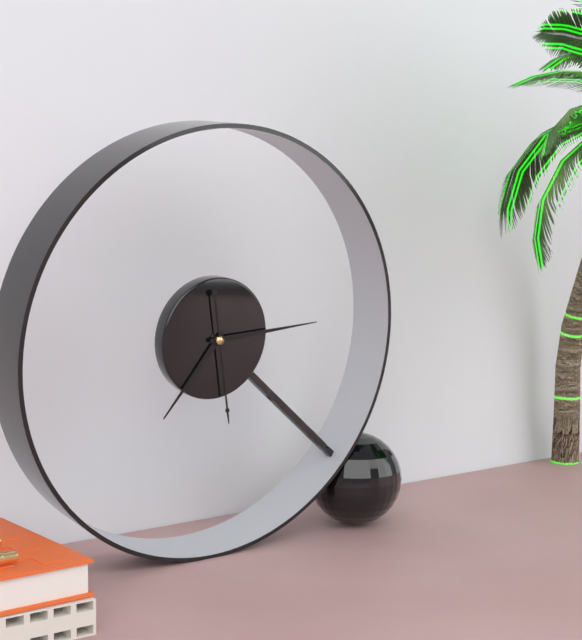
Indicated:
7 h 14 min 28 s
